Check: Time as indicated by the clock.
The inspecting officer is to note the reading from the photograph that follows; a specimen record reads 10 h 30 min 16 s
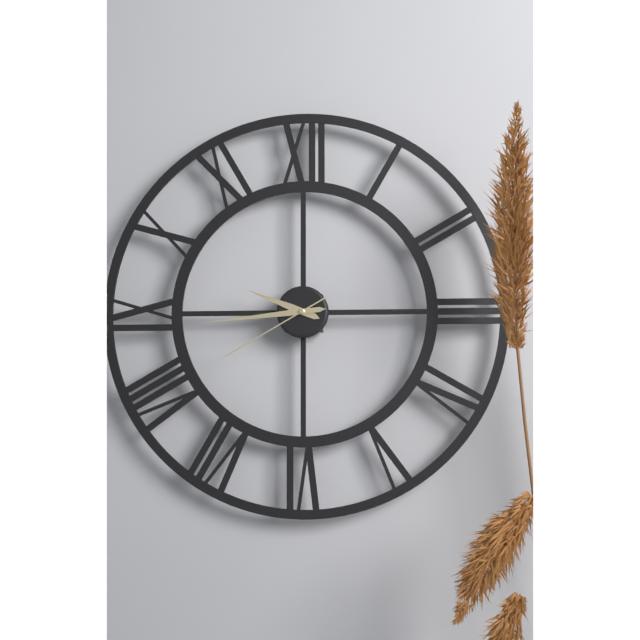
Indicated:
9 h 44 min 40 s
